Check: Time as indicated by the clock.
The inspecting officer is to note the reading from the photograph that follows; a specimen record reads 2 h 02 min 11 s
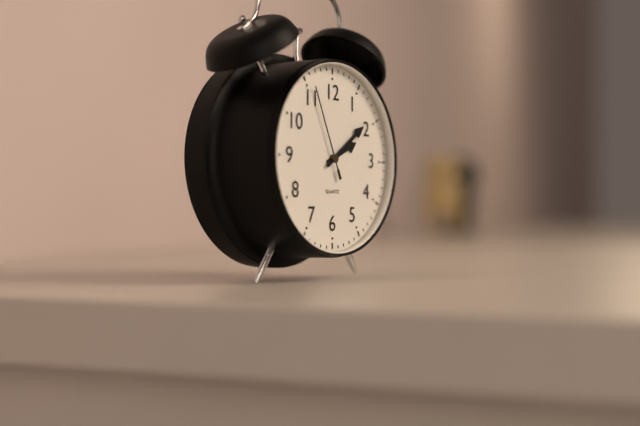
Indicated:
2 h 09 min 56 s
